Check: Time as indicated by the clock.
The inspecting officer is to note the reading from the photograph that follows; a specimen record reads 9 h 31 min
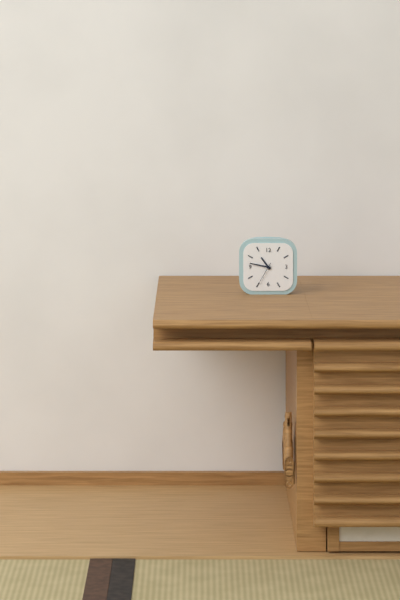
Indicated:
10 h 47 min
